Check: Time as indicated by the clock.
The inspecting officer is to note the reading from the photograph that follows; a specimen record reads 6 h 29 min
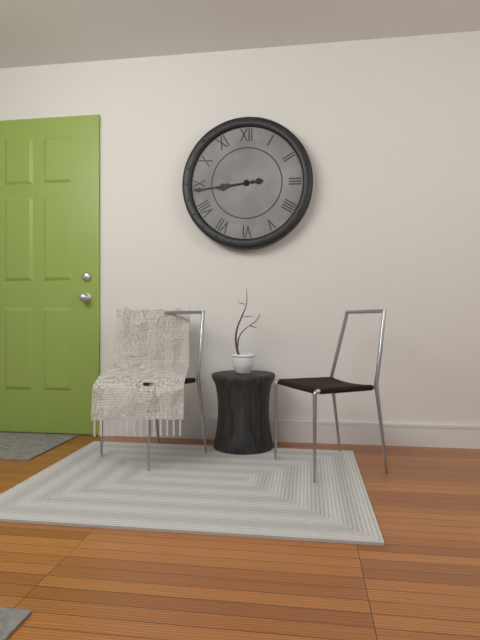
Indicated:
8 h 44 min
